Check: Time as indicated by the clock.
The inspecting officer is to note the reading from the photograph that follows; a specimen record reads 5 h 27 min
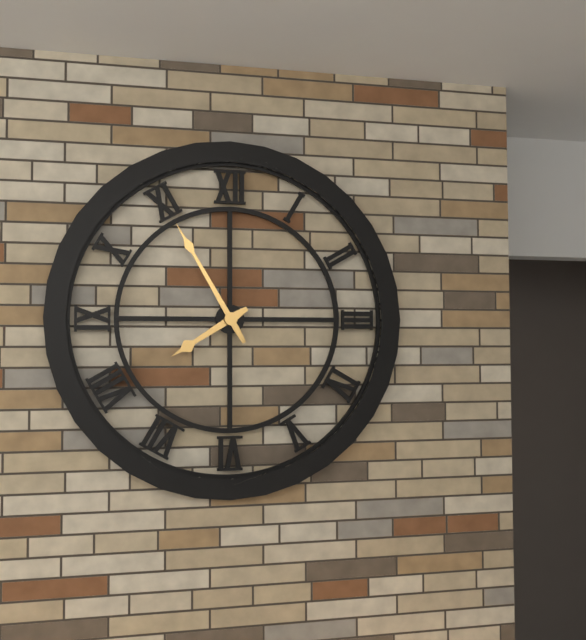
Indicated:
7 h 55 min
